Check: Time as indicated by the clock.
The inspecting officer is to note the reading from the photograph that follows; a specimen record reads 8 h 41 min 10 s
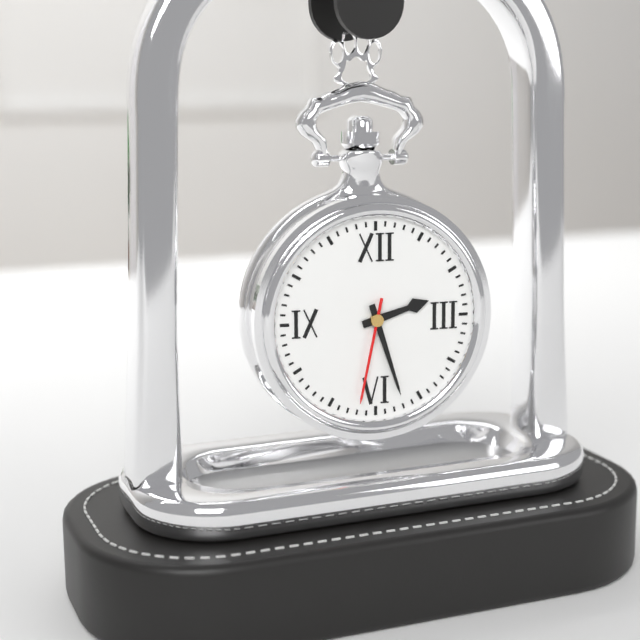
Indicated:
2 h 27 min 32 s
